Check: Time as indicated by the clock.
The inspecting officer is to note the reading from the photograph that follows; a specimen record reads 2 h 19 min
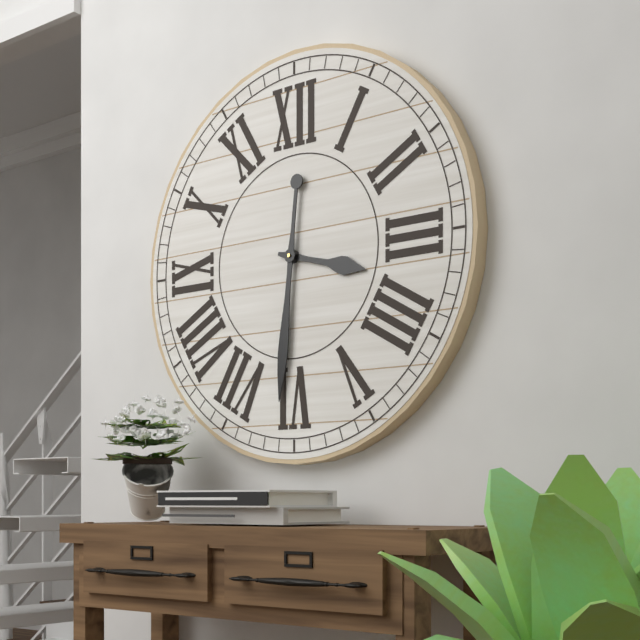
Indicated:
3 h 31 min
